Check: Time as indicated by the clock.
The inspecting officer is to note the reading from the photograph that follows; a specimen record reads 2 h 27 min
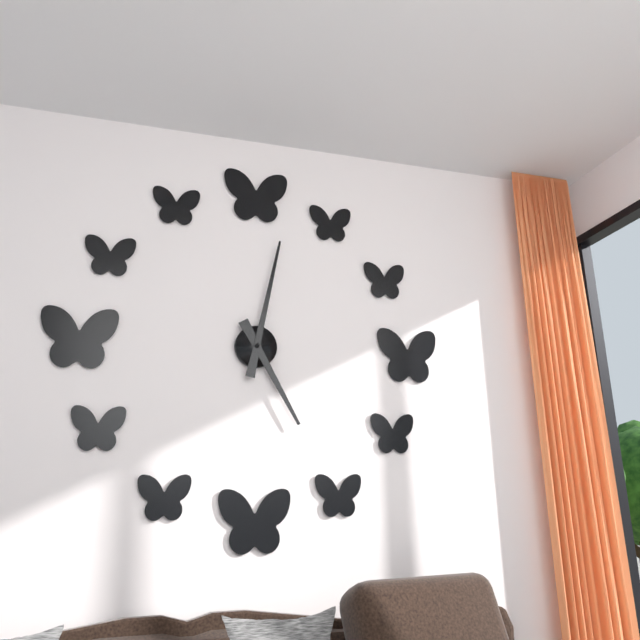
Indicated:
5 h 02 min
